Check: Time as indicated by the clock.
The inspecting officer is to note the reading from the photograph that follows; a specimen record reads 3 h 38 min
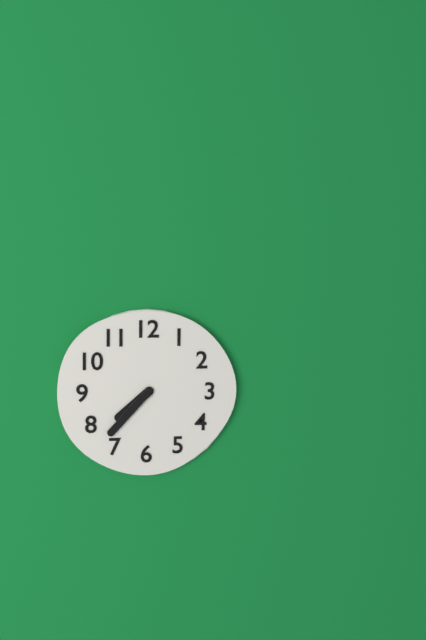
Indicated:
7 h 37 min
